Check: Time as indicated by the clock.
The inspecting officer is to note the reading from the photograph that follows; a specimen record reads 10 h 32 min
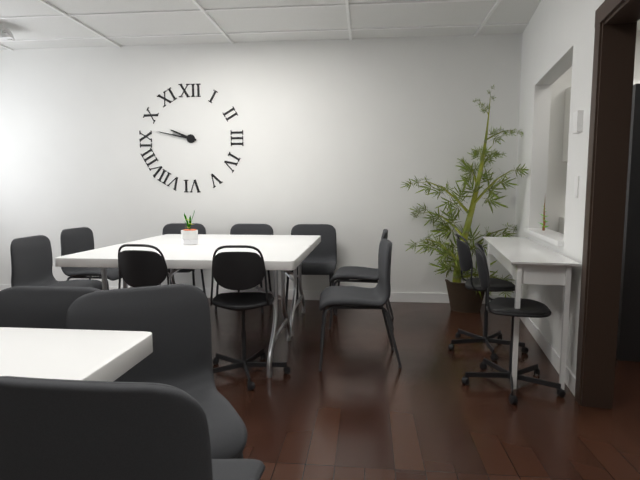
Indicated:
9 h 47 min
